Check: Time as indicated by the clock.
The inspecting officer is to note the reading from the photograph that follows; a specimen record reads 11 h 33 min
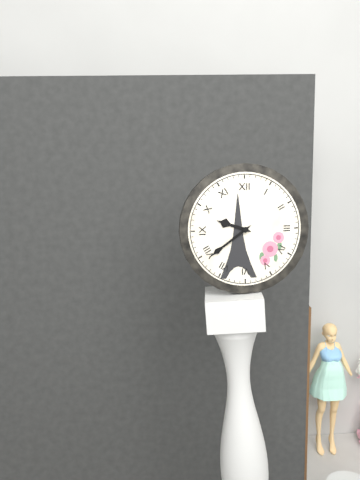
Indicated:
9 h 39 min
